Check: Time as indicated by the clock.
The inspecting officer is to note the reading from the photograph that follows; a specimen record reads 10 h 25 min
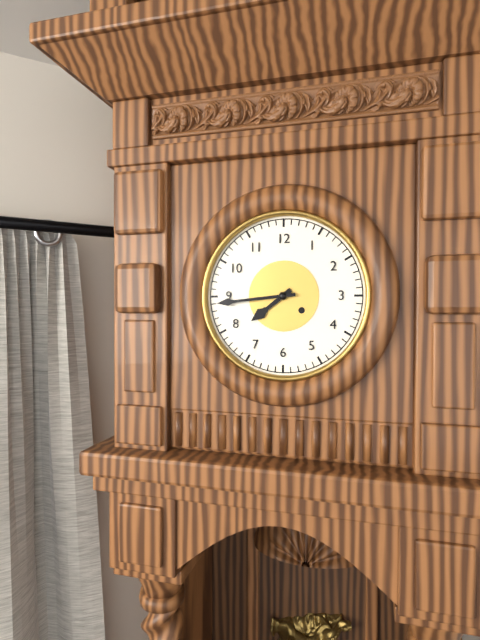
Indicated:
7 h 44 min
